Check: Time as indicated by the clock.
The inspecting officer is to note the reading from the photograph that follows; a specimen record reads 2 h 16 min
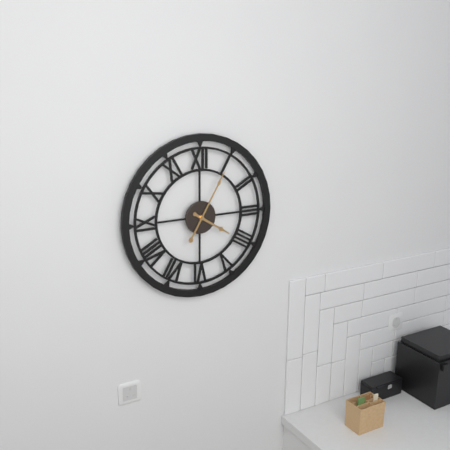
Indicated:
4 h 05 min
